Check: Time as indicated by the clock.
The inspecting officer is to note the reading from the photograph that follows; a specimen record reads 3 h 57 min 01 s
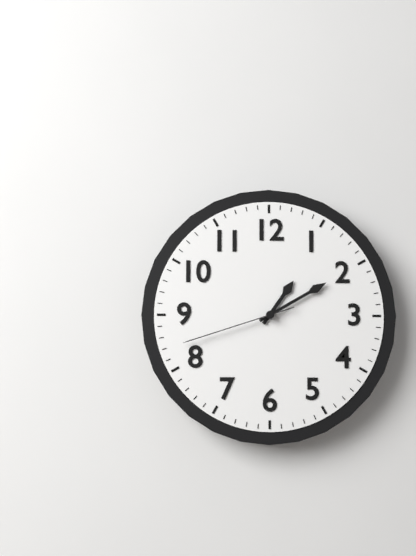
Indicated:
1 h 10 min 42 s
